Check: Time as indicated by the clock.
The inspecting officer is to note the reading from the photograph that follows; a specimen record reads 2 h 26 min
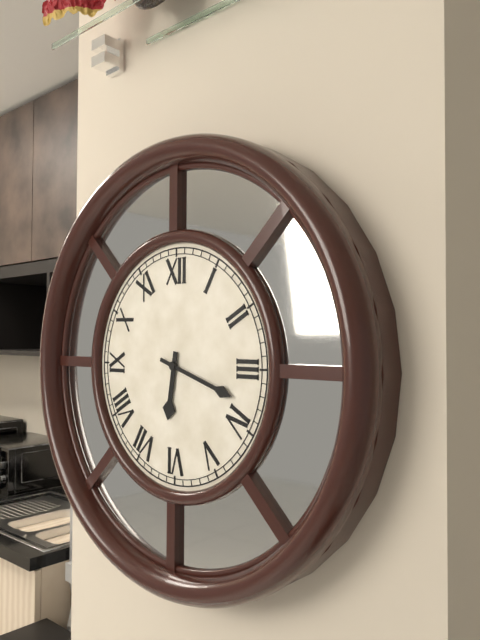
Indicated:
6 h 18 min
